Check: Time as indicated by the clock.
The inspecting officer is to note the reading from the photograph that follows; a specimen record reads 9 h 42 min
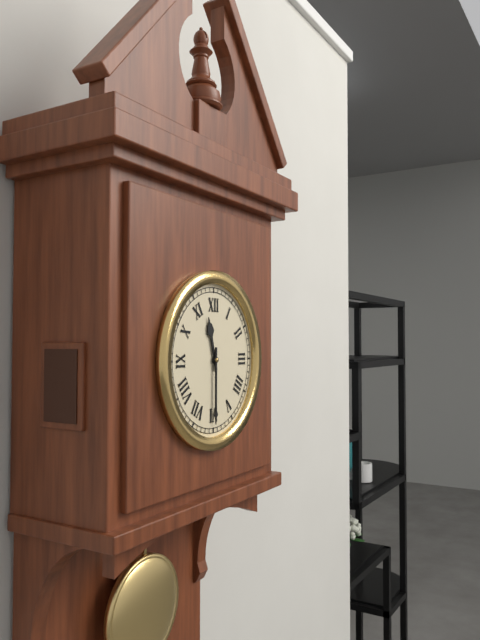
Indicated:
11 h 30 min
